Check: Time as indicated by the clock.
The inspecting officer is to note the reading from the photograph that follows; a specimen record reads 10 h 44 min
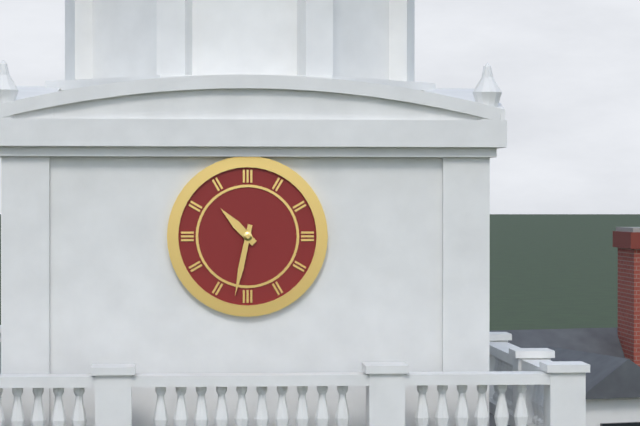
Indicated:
10 h 32 min
